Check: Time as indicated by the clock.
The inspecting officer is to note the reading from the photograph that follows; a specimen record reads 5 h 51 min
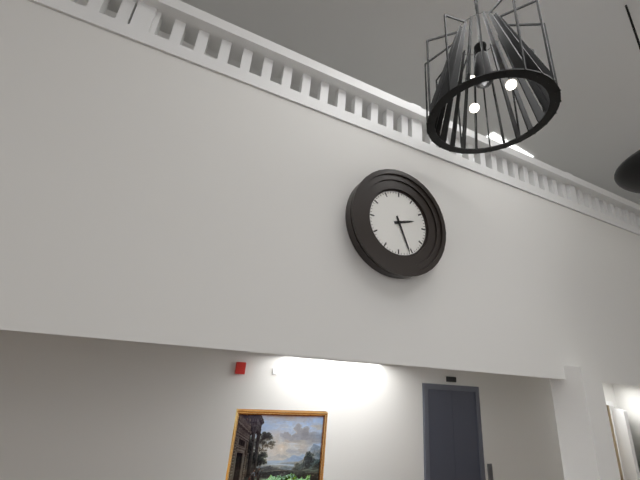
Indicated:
2 h 26 min
